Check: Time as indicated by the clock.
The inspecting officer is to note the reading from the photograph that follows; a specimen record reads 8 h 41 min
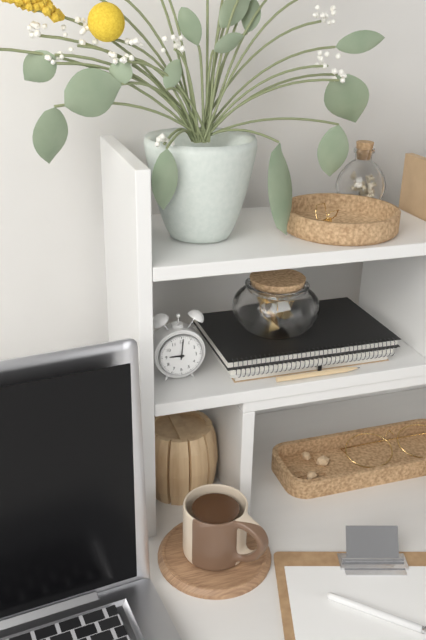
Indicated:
9 h 01 min
